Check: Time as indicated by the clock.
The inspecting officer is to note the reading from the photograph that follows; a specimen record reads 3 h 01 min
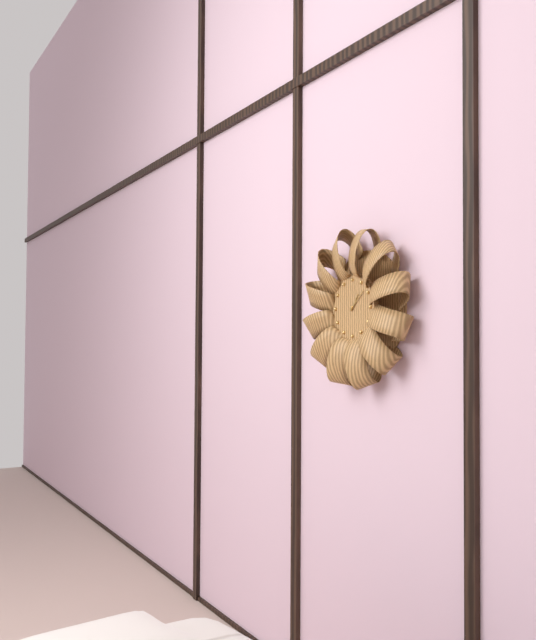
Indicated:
1 h 08 min
